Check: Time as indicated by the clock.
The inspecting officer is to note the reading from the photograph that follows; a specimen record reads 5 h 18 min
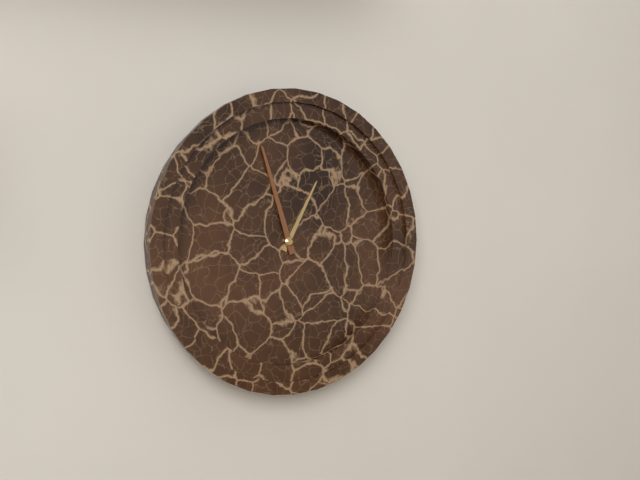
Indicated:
12 h 57 min
